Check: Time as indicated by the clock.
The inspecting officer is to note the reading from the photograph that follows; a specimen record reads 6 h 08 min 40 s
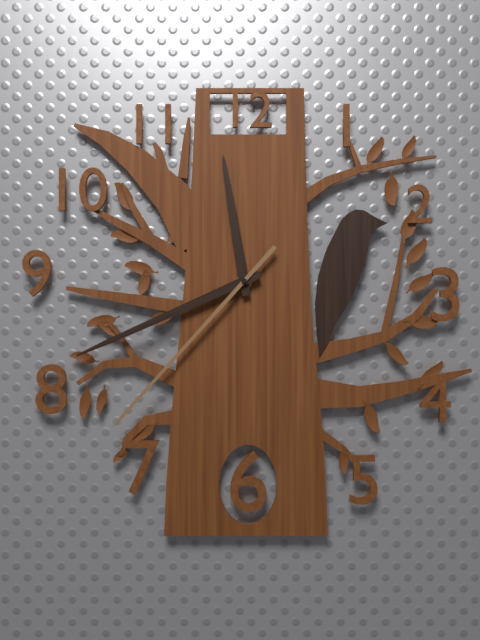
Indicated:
11 h 41 min 37 s
